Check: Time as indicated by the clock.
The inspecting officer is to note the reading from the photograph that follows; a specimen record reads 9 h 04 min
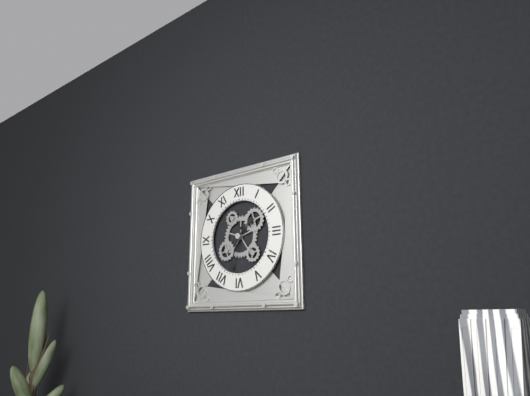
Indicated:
1 h 33 min
